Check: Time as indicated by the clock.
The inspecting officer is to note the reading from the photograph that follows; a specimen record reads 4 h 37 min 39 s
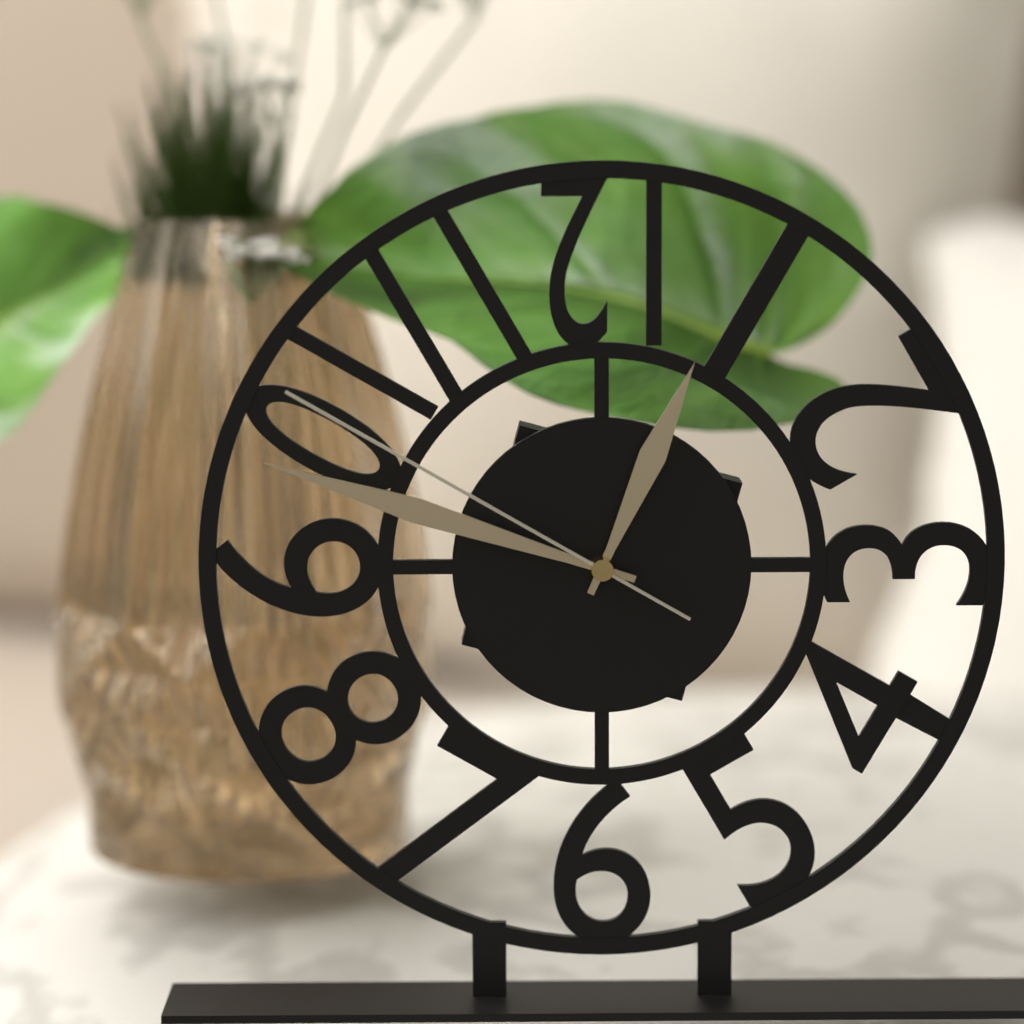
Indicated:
12 h 48 min 50 s
